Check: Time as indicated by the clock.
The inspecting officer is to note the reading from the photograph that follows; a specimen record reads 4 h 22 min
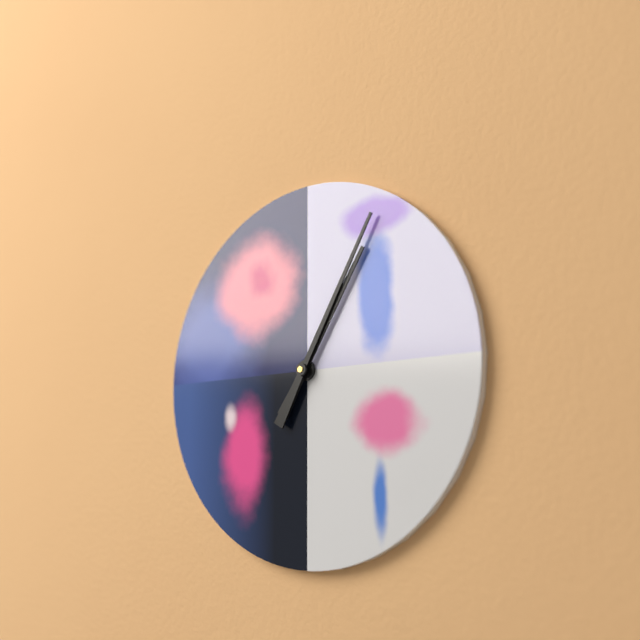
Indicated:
1 h 05 min
